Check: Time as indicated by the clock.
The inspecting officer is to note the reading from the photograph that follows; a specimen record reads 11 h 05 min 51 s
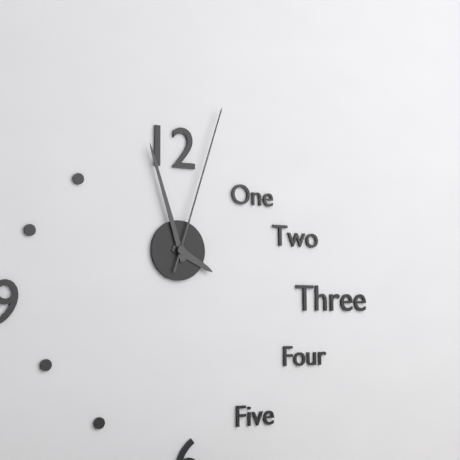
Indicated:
3 h 57 min 03 s
